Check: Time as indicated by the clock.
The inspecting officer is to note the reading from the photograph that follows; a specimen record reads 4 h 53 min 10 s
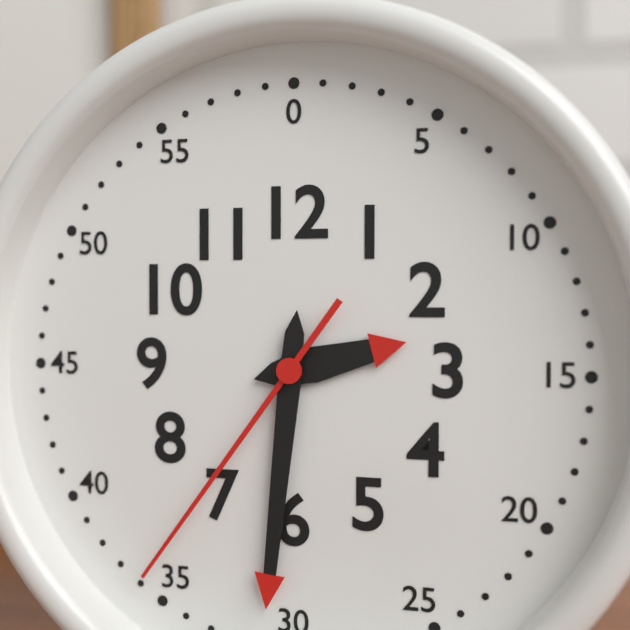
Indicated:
2 h 31 min 36 s
